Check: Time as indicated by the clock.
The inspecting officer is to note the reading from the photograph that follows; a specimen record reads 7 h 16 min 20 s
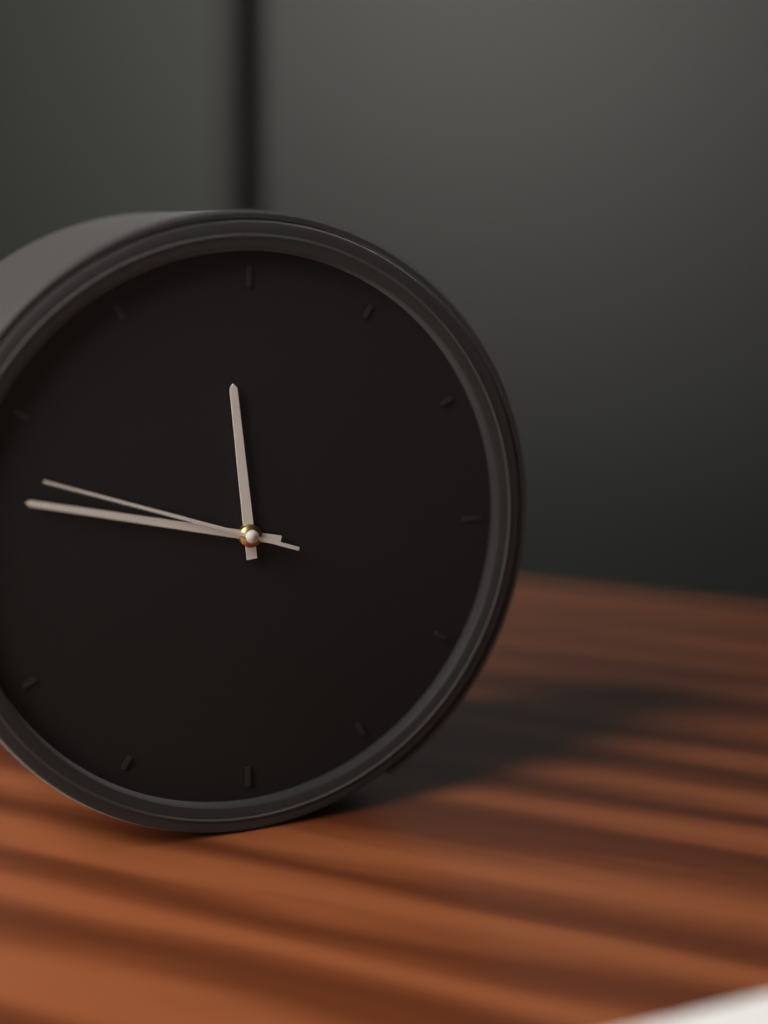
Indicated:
11 h 47 min 48 s
